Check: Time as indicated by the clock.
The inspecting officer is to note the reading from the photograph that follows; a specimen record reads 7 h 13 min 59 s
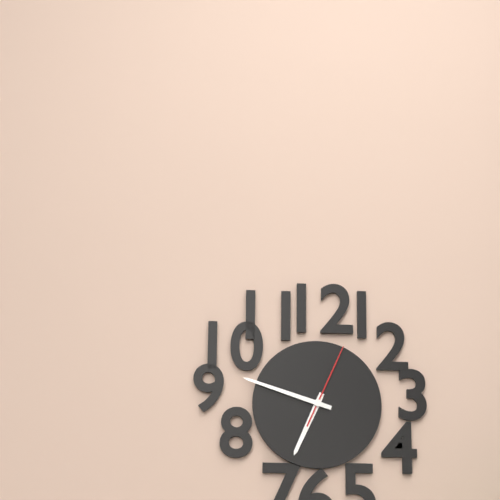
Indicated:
6 h 48 min 04 s
